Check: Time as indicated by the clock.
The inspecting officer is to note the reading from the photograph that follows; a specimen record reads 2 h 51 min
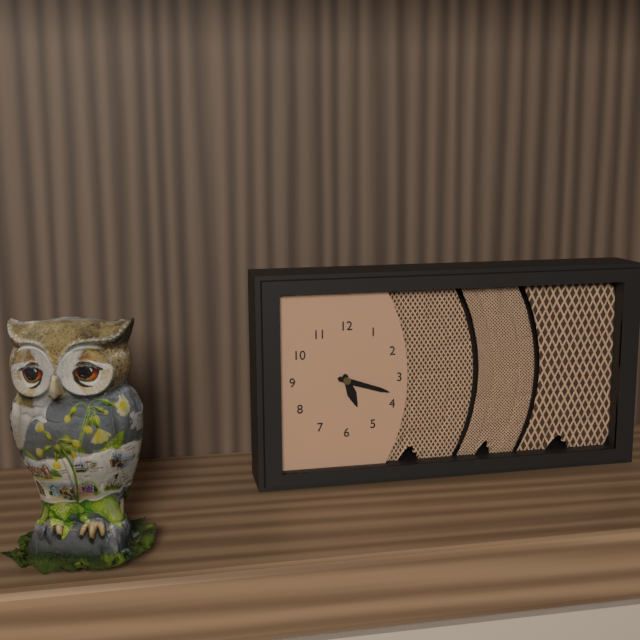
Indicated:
5 h 18 min
